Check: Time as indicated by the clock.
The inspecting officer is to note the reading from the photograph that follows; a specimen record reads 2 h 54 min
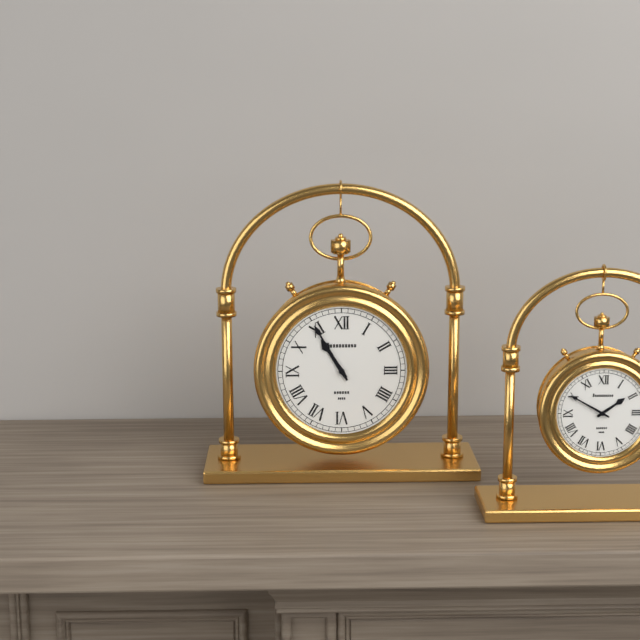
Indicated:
10 h 55 min
